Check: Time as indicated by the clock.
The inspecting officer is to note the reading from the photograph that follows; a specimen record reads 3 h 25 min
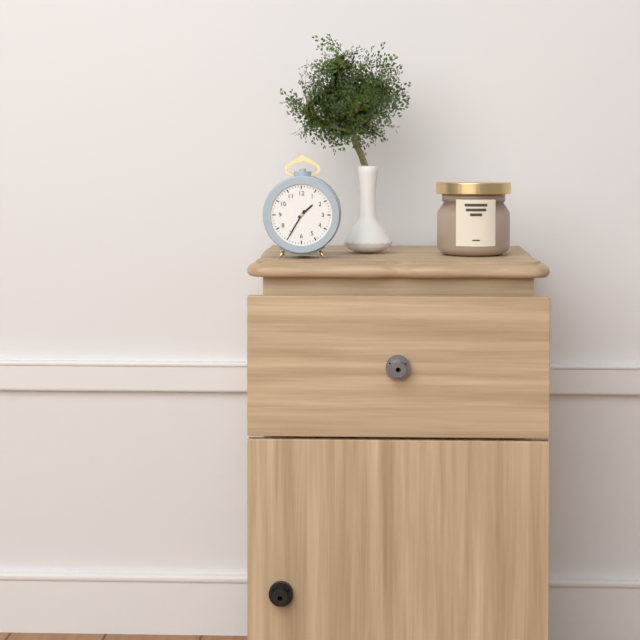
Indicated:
1 h 35 min
